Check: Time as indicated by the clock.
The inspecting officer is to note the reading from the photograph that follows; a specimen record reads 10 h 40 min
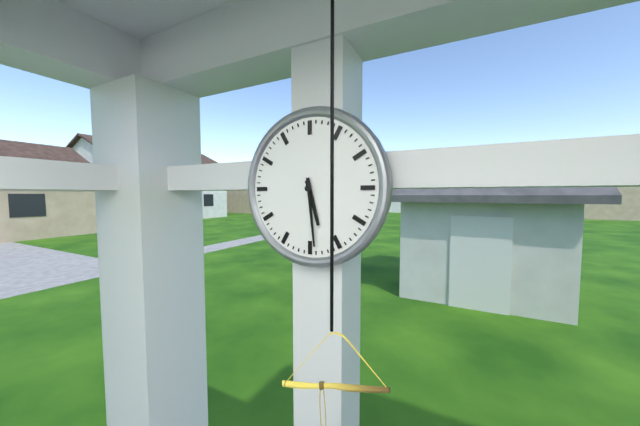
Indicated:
5 h 29 min
